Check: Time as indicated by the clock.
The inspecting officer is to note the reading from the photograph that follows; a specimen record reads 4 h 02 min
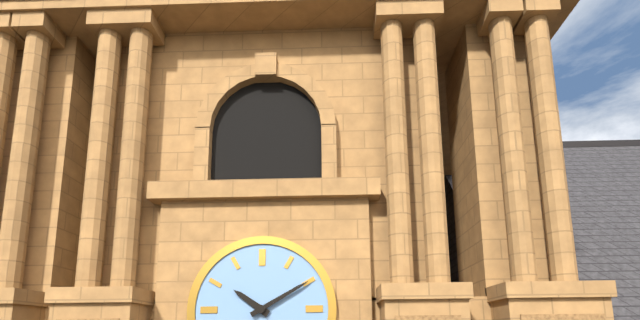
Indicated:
10 h 10 min
